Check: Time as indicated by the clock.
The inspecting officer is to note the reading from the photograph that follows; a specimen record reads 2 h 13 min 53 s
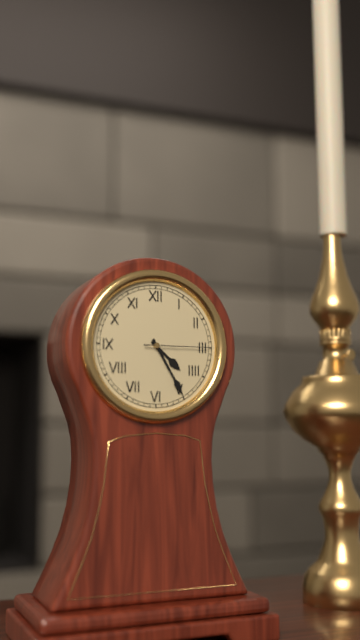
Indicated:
4 h 25 min 15 s
